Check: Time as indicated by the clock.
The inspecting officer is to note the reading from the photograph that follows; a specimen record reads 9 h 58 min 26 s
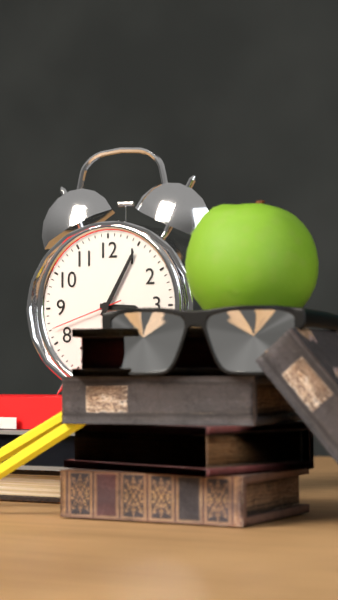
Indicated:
3 h 05 min 42 s
